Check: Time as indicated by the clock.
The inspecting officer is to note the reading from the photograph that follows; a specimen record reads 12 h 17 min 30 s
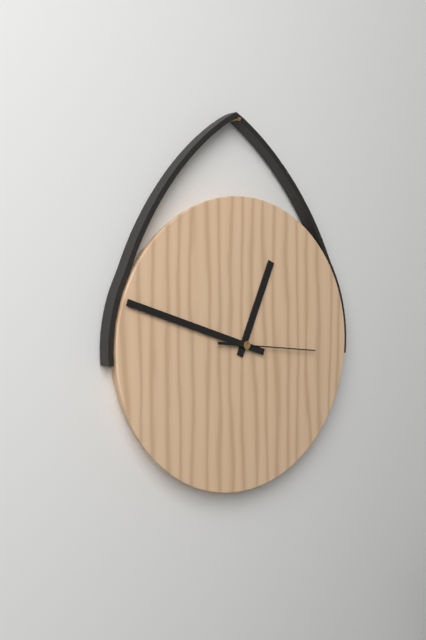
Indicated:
12 h 48 min 16 s
